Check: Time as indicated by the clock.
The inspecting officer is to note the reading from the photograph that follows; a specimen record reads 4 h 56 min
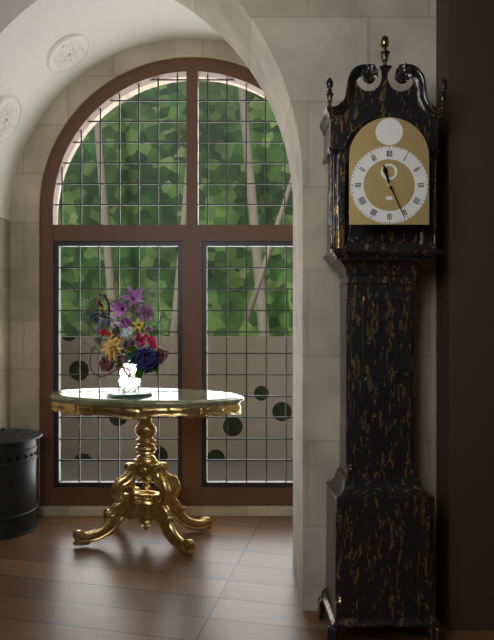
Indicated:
11 h 26 min
